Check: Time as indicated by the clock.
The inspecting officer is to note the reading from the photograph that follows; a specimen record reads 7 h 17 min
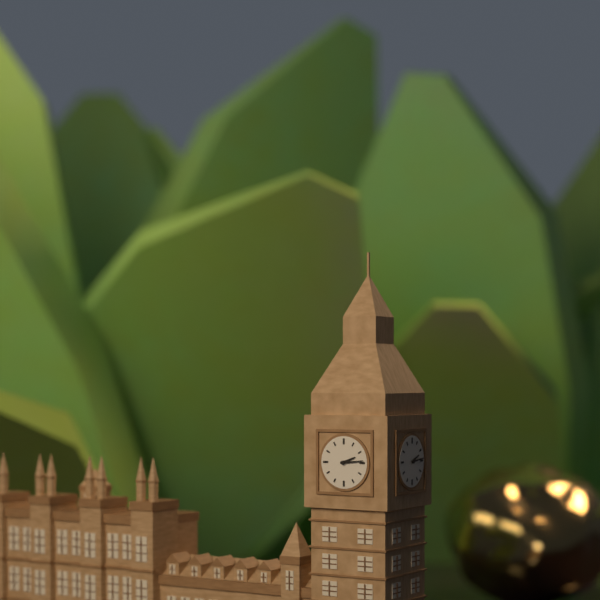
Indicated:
2 h 14 min
